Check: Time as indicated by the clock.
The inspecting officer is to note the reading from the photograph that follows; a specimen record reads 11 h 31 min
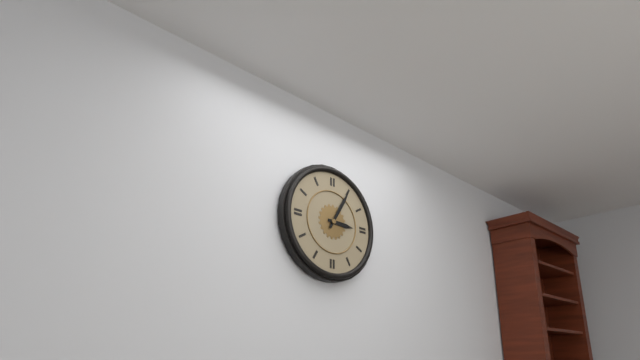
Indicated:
3 h 05 min
